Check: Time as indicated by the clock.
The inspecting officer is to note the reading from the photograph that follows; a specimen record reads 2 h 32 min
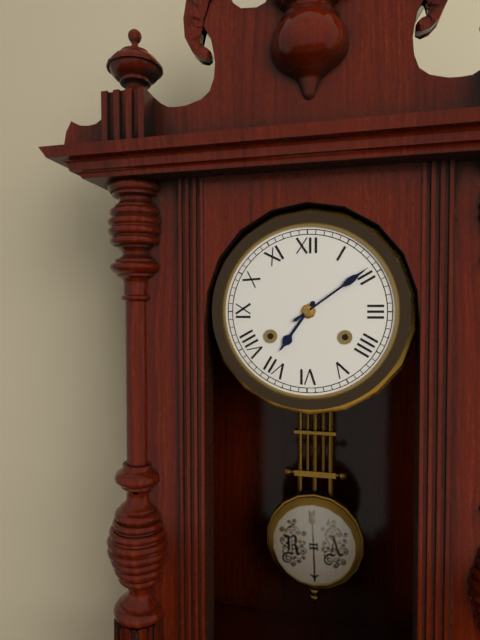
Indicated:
7 h 09 min
